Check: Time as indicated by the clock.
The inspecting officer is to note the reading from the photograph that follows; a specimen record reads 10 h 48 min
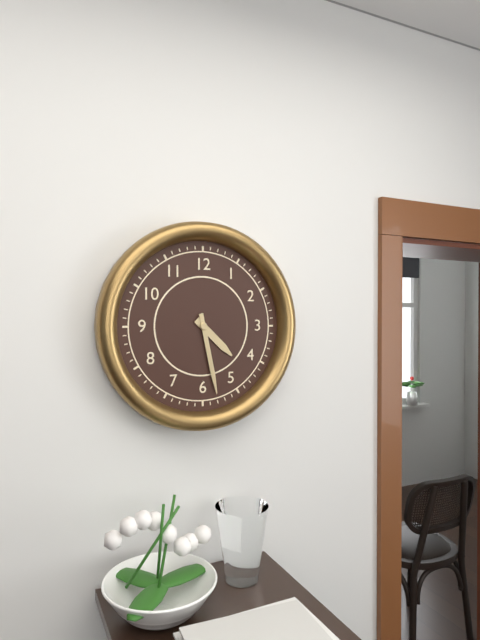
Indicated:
4 h 28 min
